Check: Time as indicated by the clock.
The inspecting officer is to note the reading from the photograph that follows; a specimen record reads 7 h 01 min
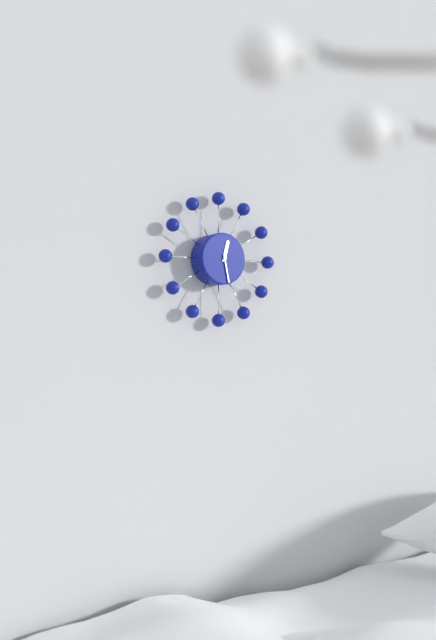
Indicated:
12 h 28 min
